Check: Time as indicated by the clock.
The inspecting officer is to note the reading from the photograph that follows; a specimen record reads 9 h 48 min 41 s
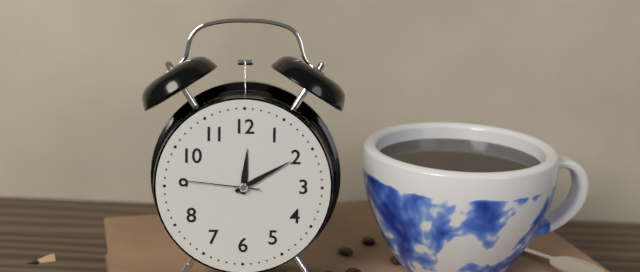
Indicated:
12 h 10 min 46 s
